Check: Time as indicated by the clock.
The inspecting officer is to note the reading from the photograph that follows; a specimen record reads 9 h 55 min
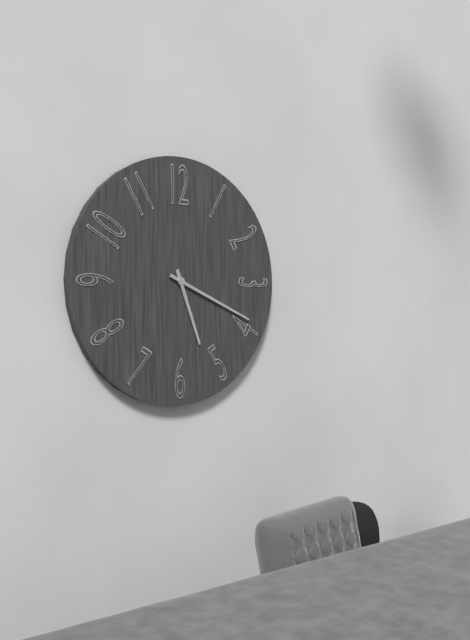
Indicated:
5 h 19 min
